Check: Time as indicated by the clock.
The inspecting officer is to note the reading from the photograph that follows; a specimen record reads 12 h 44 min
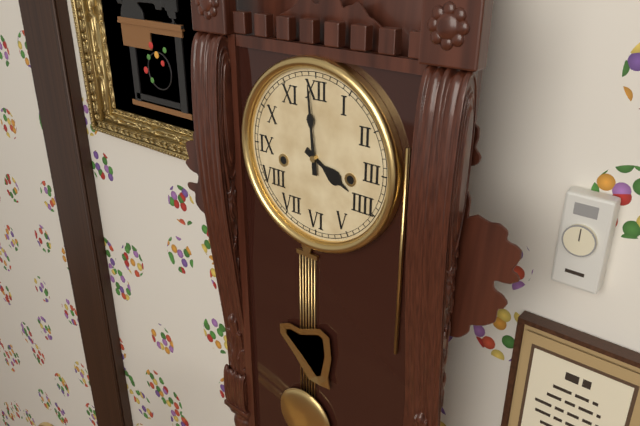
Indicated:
3 h 59 min
